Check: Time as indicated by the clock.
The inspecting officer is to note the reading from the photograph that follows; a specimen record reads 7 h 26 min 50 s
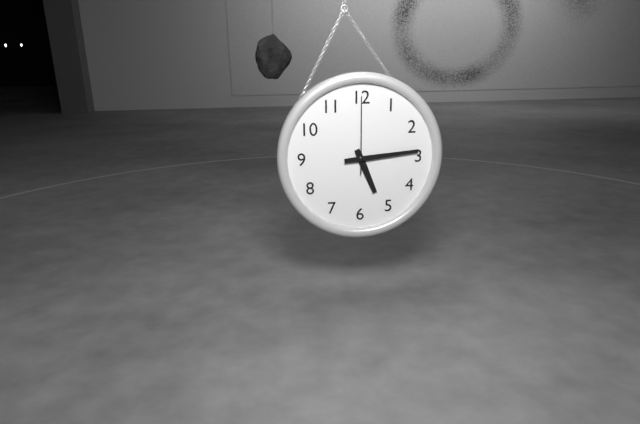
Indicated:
5 h 14 min 00 s
